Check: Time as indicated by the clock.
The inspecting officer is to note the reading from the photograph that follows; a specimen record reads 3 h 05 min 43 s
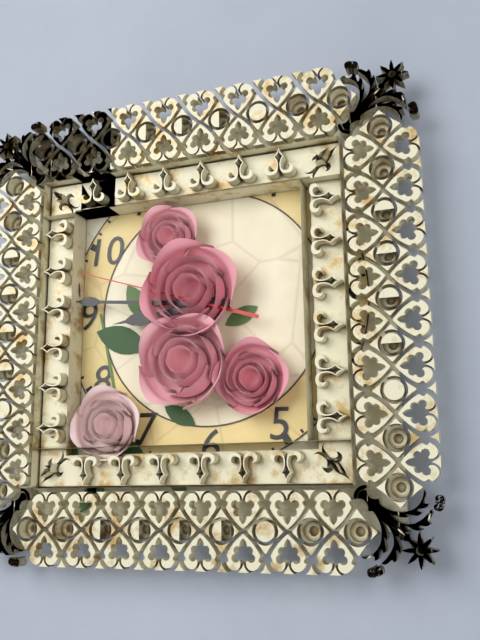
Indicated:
8 h 46 min 48 s
